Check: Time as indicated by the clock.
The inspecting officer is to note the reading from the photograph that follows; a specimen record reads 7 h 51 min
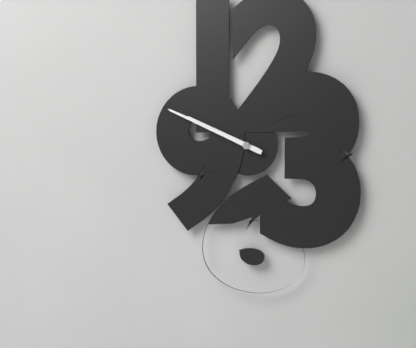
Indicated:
9 h 49 min
